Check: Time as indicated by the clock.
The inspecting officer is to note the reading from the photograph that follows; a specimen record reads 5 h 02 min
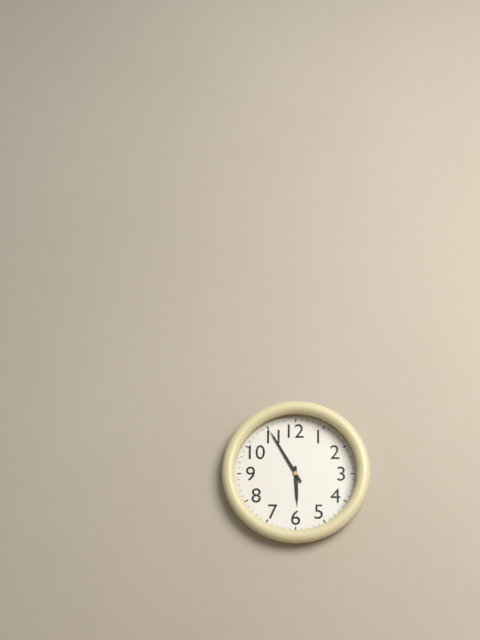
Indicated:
5 h 55 min
